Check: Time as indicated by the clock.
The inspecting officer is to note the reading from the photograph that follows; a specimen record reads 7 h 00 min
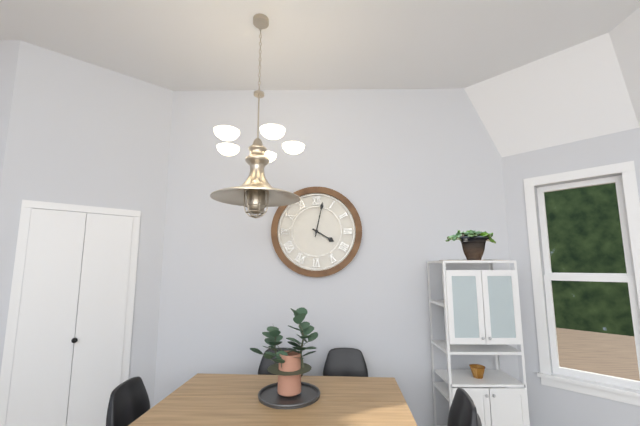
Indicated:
4 h 02 min
